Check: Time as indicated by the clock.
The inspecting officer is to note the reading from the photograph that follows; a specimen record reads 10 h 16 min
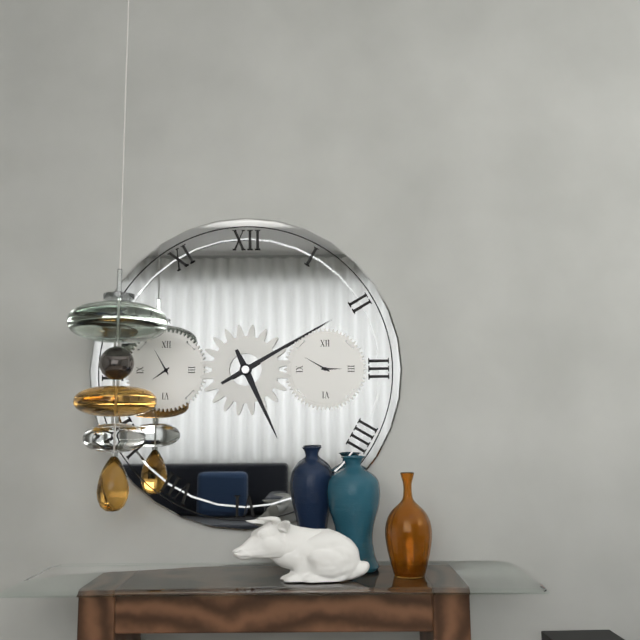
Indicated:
5 h 10 min
